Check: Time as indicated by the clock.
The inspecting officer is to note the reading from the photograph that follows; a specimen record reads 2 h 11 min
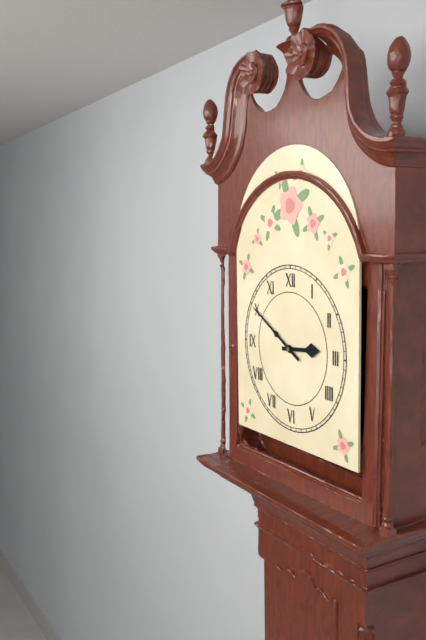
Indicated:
2 h 50 min
